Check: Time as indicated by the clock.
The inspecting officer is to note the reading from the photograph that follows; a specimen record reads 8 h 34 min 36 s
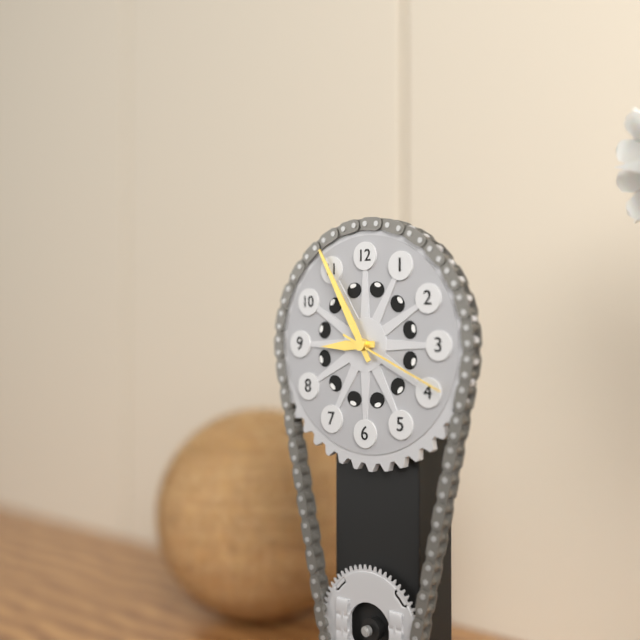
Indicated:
8 h 55 min 19 s
